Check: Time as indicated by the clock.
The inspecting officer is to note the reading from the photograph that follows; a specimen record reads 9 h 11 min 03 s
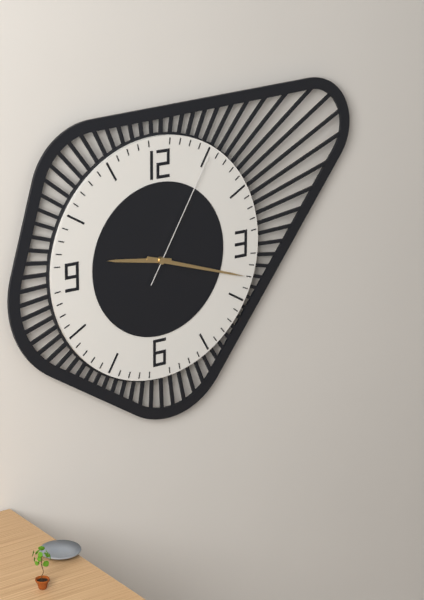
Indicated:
9 h 18 min 05 s
